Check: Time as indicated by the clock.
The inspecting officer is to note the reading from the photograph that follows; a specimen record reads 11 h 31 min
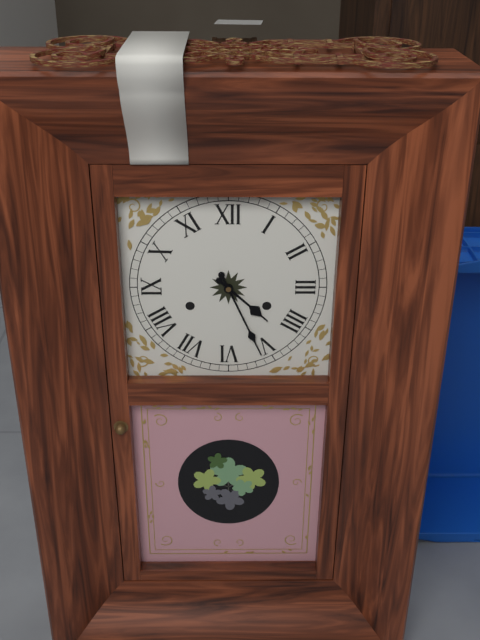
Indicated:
4 h 26 min
